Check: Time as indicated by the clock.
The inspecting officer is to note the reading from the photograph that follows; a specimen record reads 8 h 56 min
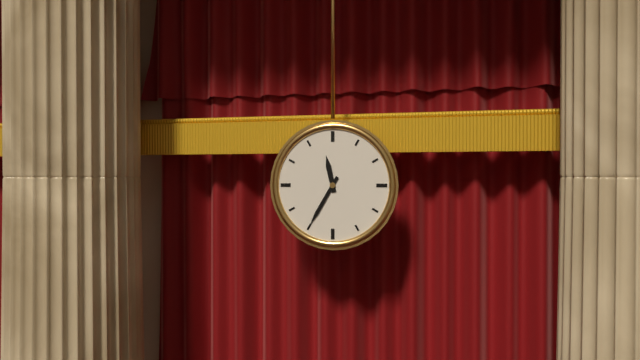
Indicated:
11 h 35 min
